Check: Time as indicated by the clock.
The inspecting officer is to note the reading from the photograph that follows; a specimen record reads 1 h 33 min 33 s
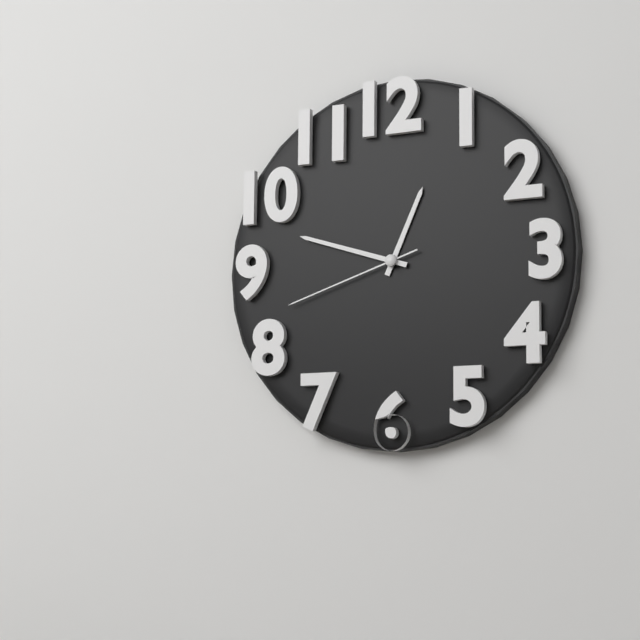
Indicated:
12 h 48 min 42 s
